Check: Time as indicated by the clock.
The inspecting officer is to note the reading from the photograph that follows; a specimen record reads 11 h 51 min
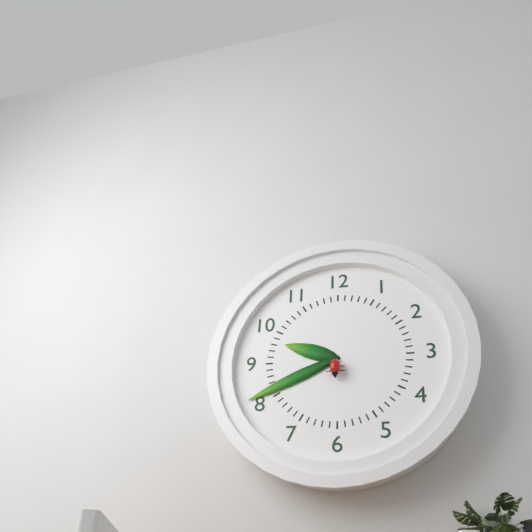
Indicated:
9 h 41 min
